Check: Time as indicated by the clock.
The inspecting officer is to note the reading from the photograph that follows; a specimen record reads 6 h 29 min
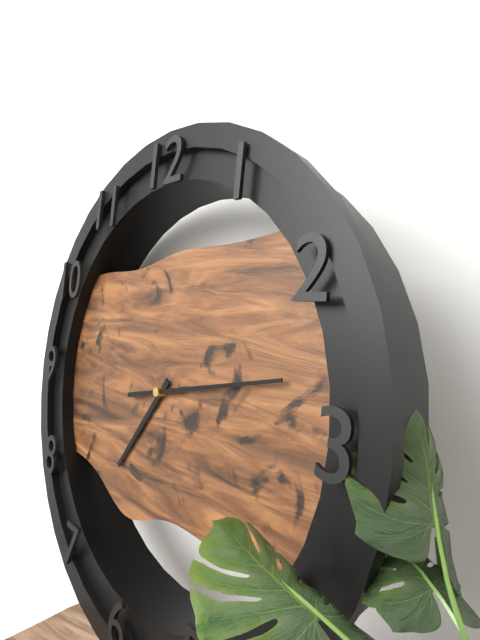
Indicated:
7 h 13 min
